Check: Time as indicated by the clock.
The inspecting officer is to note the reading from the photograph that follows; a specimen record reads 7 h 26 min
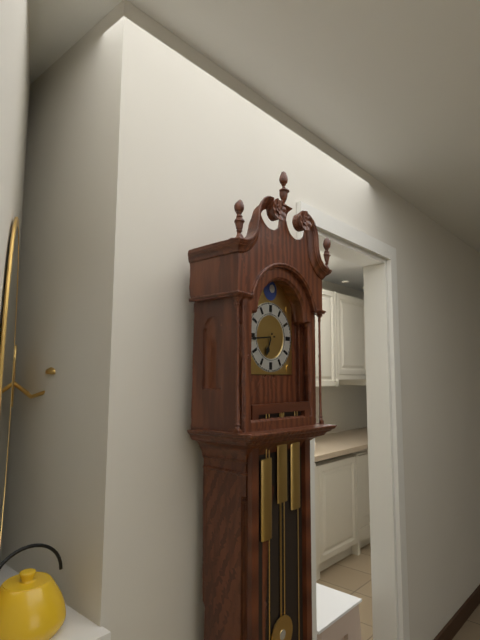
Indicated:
6 h 44 min
